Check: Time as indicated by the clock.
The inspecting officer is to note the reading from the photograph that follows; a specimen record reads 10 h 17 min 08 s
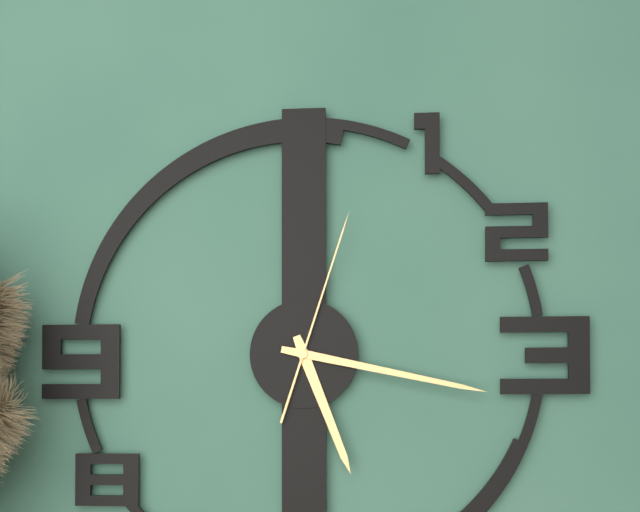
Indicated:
5 h 17 min 03 s
